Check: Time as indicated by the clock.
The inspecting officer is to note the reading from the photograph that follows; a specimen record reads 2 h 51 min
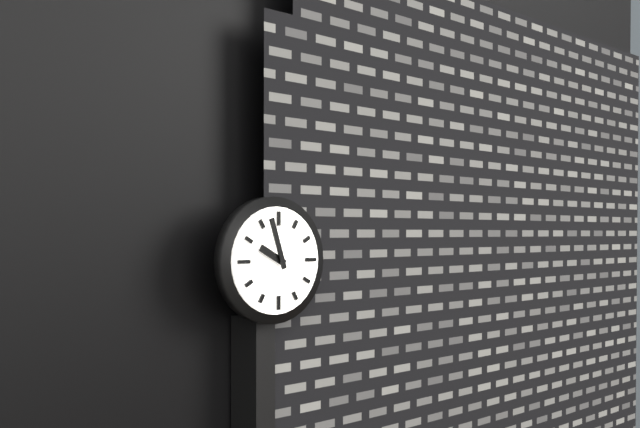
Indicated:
9 h 57 min
